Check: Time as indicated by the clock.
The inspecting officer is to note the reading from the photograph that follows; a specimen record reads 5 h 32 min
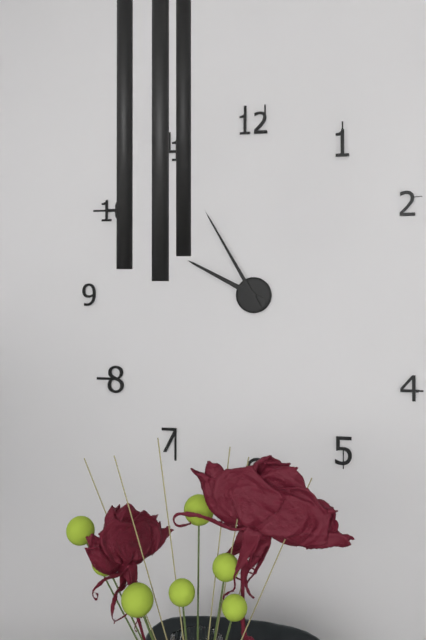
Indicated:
9 h 55 min
